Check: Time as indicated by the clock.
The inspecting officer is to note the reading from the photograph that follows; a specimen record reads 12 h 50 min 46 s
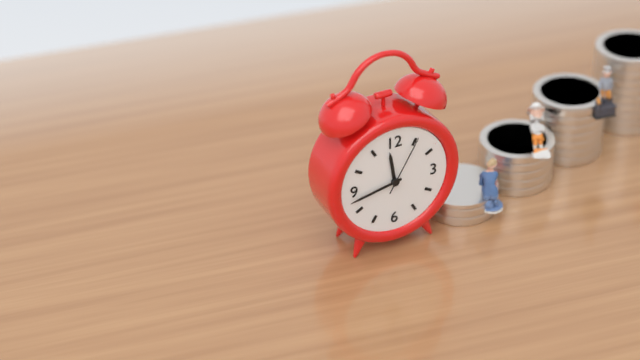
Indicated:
11 h 43 min 05 s
